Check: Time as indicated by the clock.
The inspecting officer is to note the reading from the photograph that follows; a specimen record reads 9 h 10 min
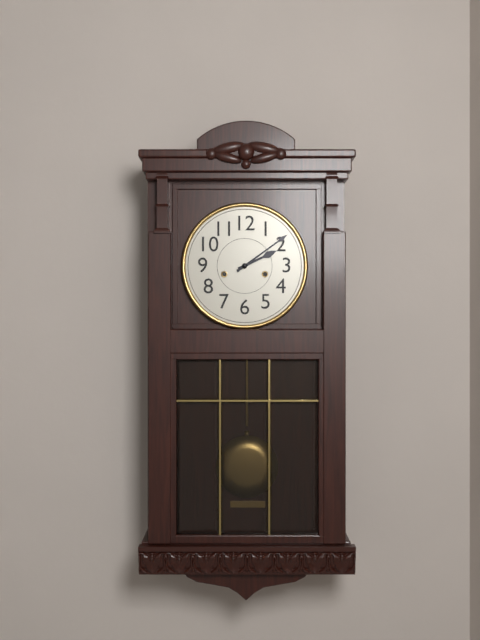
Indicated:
2 h 09 min
